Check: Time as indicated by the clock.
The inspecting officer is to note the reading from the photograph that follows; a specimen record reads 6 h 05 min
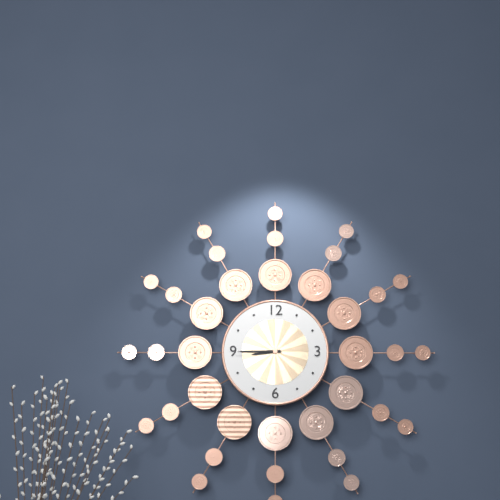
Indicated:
8 h 45 min
